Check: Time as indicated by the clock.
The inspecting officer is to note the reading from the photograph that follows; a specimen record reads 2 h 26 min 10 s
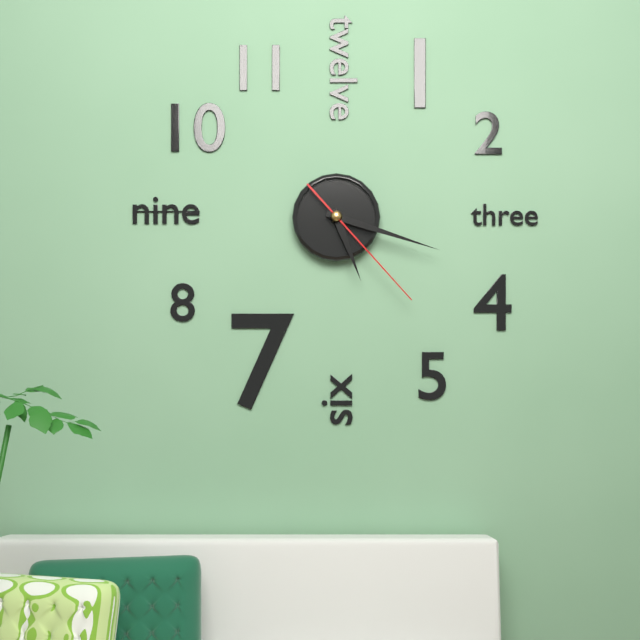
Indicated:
5 h 18 min 23 s
